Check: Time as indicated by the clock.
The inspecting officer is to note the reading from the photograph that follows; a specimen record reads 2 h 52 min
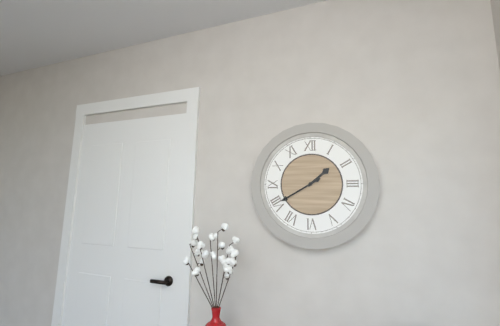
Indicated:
1 h 40 min
